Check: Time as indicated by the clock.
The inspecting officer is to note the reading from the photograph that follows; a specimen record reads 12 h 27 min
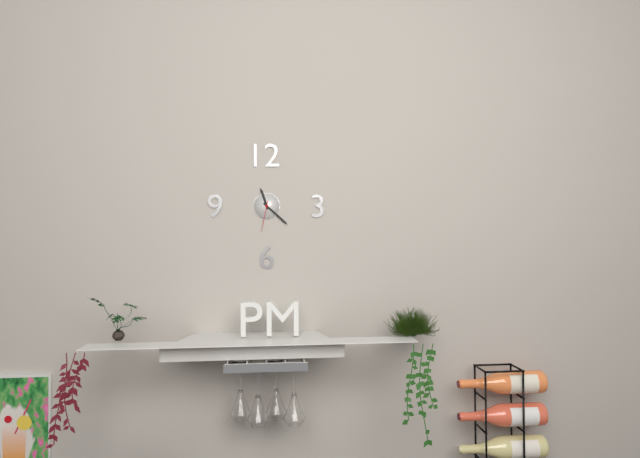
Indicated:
11 h 22 min
